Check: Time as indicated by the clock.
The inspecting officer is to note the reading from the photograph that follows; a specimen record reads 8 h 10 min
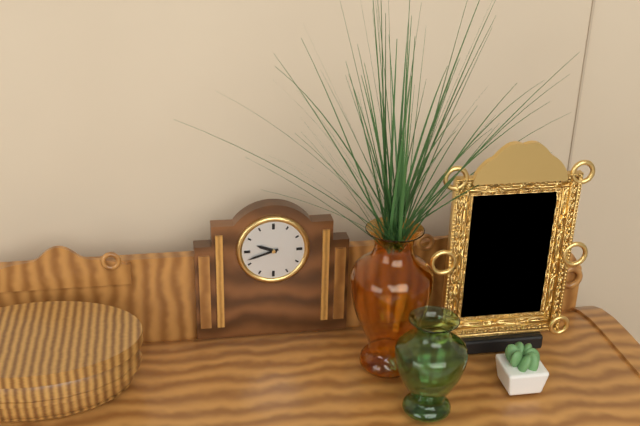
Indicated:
9 h 42 min
